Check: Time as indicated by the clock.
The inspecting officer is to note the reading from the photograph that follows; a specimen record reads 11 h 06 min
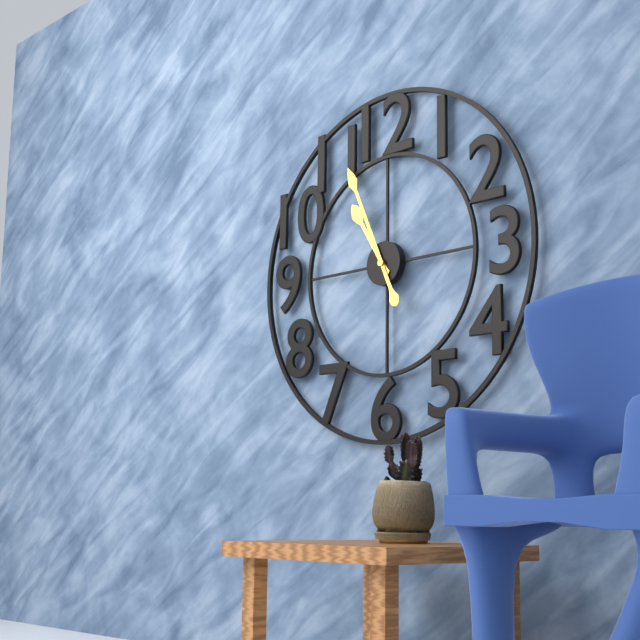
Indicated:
10 h 56 min
